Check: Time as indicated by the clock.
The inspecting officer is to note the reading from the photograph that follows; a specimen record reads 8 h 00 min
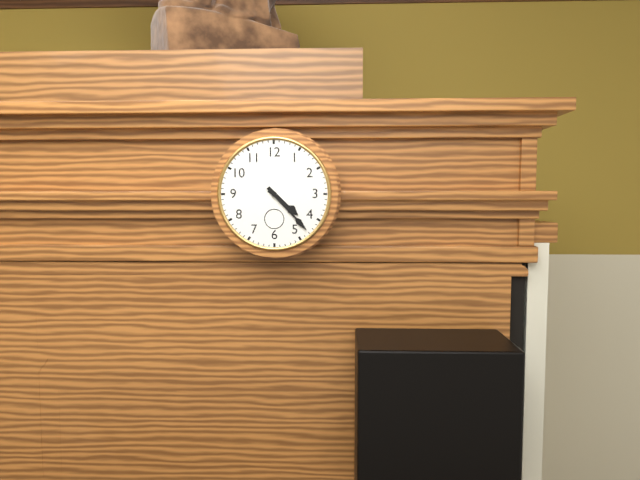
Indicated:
4 h 23 min
